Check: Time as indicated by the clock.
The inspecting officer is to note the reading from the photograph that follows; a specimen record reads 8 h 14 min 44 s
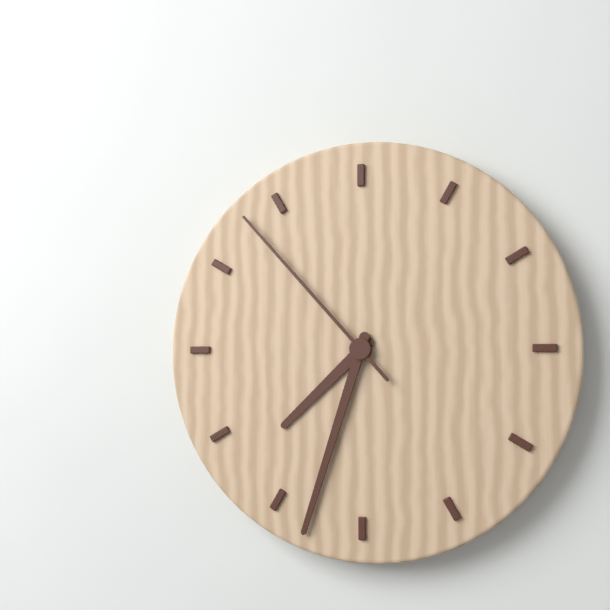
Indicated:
7 h 33 min 53 s
